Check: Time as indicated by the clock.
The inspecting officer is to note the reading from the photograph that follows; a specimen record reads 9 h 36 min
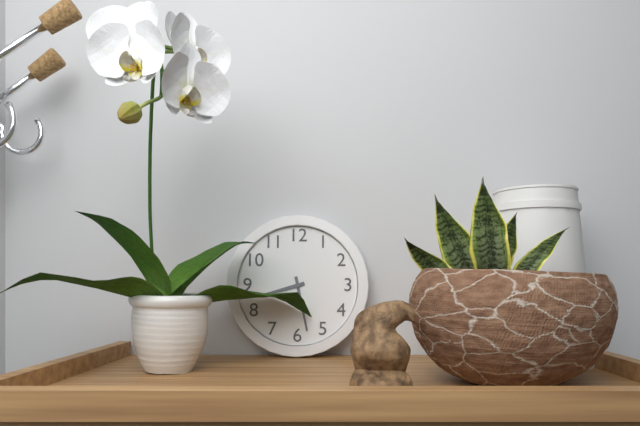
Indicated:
8 h 28 min
